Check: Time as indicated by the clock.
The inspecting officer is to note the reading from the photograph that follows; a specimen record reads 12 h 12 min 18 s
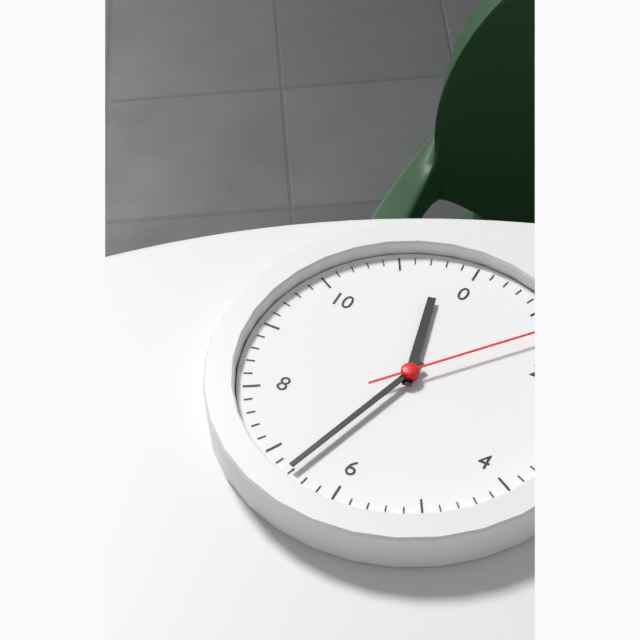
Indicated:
11 h 33 min 07 s
